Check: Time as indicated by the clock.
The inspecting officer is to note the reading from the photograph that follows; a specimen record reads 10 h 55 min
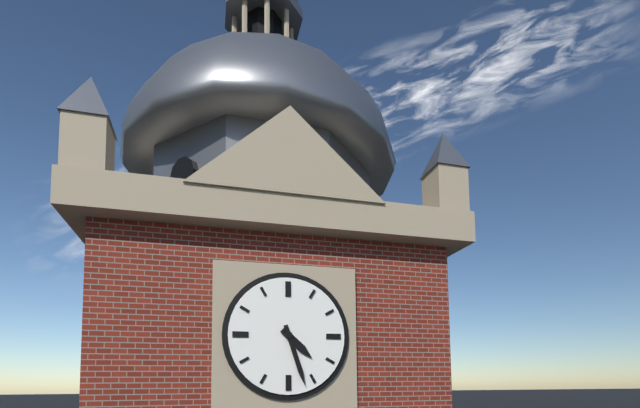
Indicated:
4 h 27 min
